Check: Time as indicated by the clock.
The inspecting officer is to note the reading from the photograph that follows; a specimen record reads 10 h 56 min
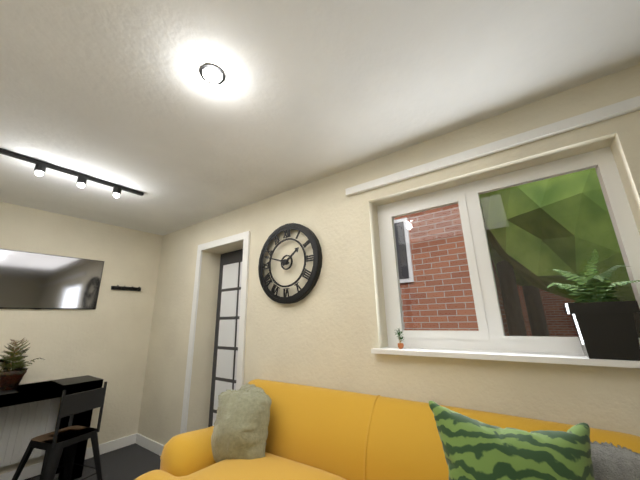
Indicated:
1 h 48 min
